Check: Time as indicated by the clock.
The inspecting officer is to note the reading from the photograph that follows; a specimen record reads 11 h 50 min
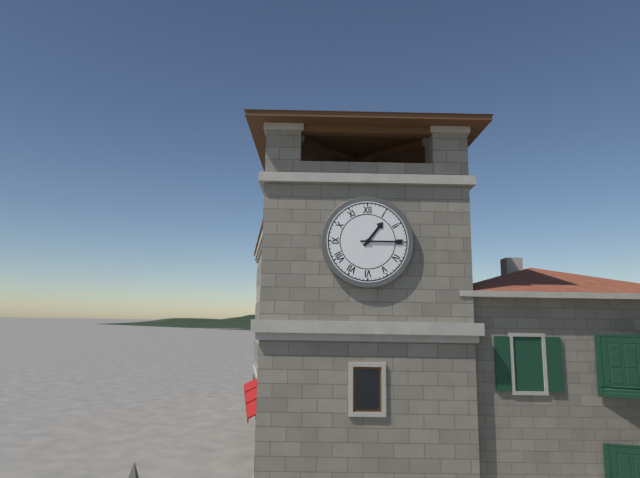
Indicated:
1 h 15 min
